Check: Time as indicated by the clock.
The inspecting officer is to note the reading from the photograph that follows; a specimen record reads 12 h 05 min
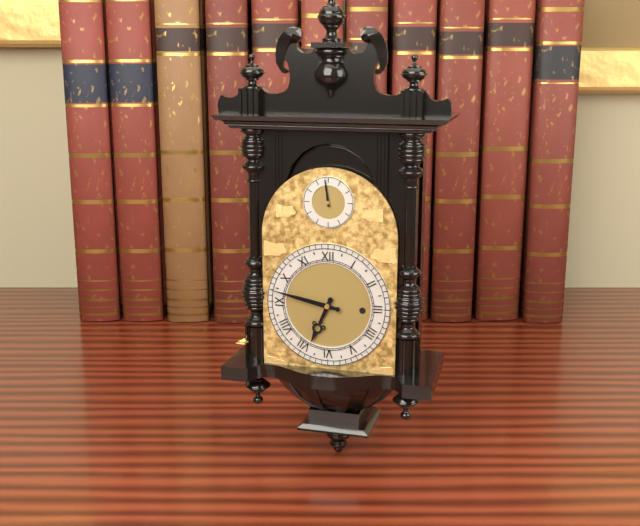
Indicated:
6 h 47 min
